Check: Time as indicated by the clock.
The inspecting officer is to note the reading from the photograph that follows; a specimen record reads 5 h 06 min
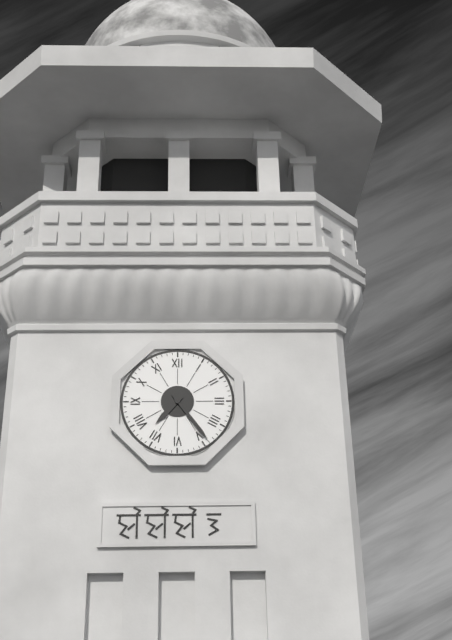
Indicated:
7 h 24 min
